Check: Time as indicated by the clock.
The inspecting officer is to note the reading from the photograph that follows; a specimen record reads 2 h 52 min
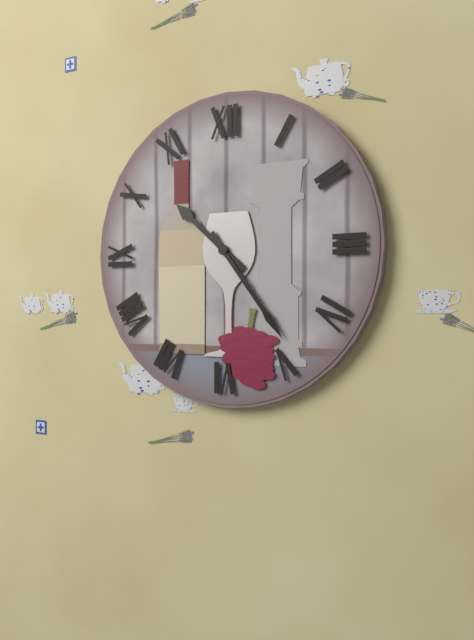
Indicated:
10 h 24 min
